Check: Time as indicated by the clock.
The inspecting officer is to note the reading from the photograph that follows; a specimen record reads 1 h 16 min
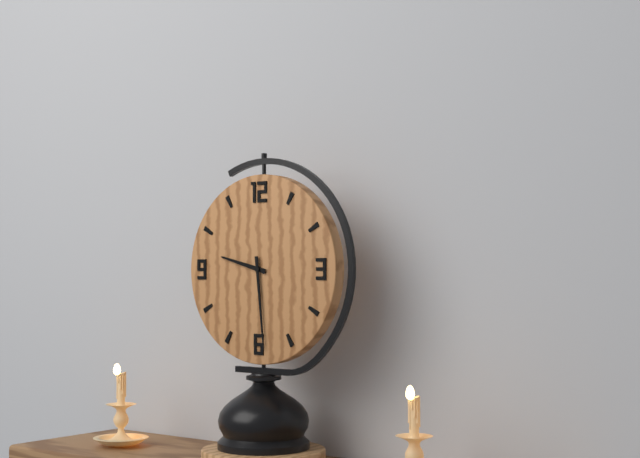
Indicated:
9 h 29 min
